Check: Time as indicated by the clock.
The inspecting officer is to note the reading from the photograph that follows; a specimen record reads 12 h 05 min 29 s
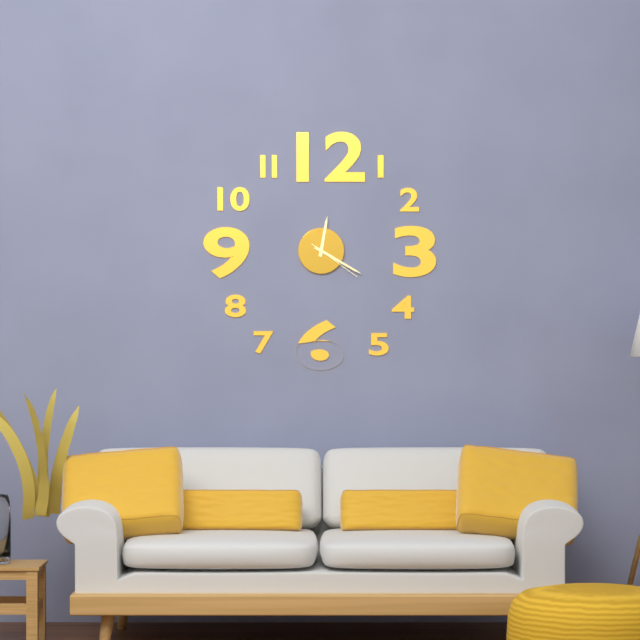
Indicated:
12 h 20 min 21 s
